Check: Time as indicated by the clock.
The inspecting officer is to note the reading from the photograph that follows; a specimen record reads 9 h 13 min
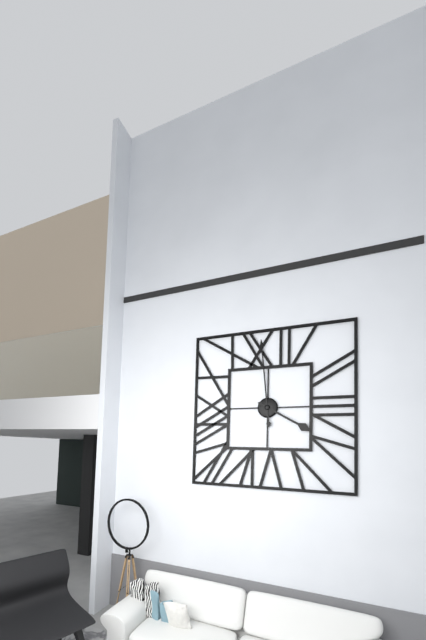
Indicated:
3 h 59 min
